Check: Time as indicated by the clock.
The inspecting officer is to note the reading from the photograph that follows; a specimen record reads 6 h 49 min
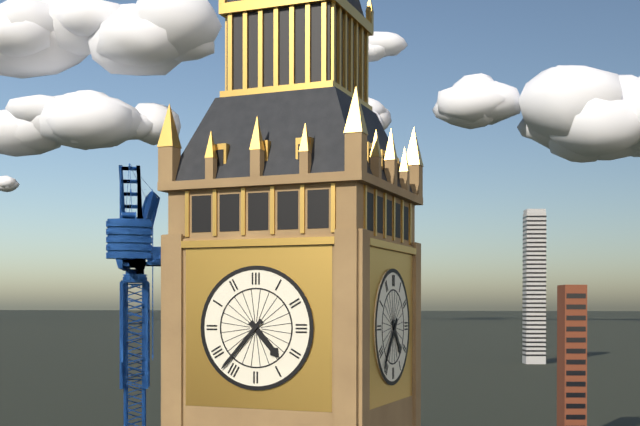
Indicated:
4 h 37 min
